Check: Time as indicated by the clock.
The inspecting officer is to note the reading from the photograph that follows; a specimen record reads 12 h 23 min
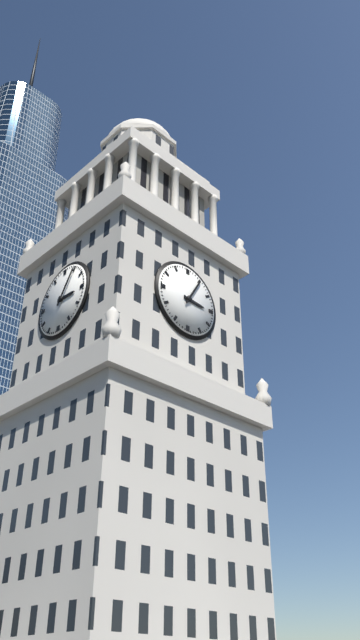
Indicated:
3 h 05 min
